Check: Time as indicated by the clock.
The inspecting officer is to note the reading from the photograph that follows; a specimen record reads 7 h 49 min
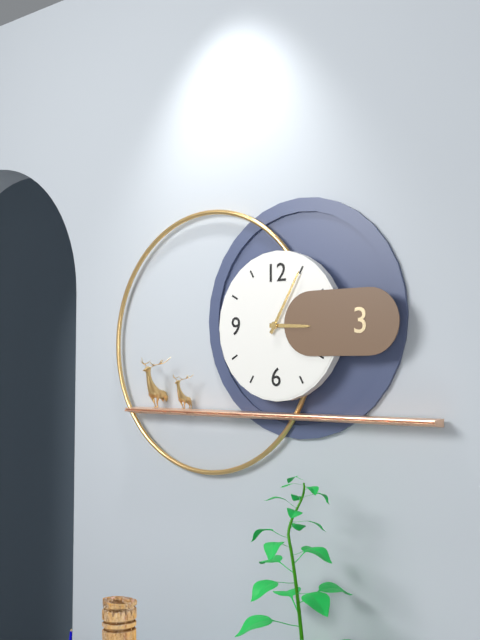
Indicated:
3 h 05 min
